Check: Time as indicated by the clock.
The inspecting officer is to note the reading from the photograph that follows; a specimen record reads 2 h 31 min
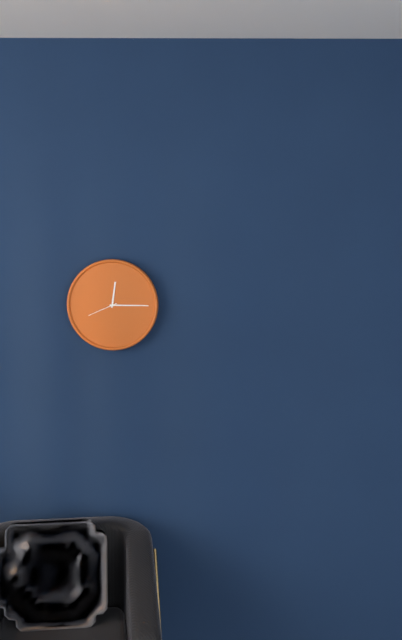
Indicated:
12 h 15 min
